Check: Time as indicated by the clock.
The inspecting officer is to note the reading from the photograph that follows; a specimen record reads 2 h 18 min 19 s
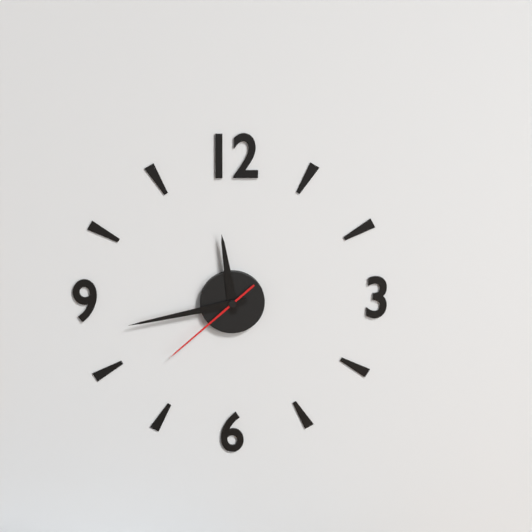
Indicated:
11 h 43 min 38 s
